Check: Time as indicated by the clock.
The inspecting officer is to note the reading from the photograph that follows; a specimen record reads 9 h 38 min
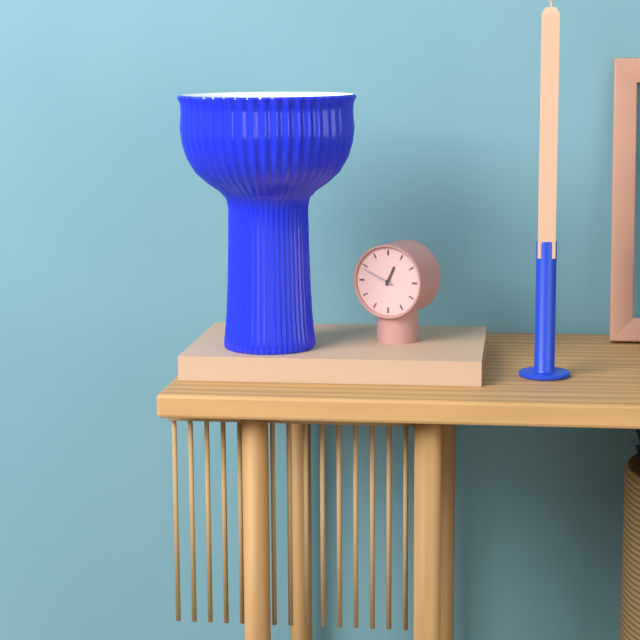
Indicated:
12 h 49 min
